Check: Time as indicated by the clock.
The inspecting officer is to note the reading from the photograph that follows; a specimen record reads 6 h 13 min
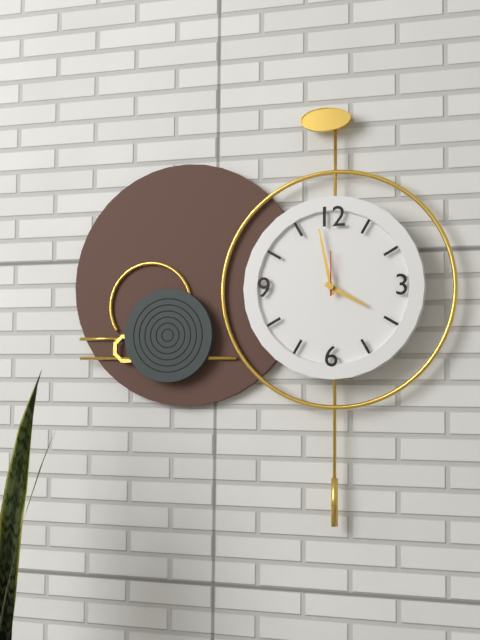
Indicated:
3 h 58 min
